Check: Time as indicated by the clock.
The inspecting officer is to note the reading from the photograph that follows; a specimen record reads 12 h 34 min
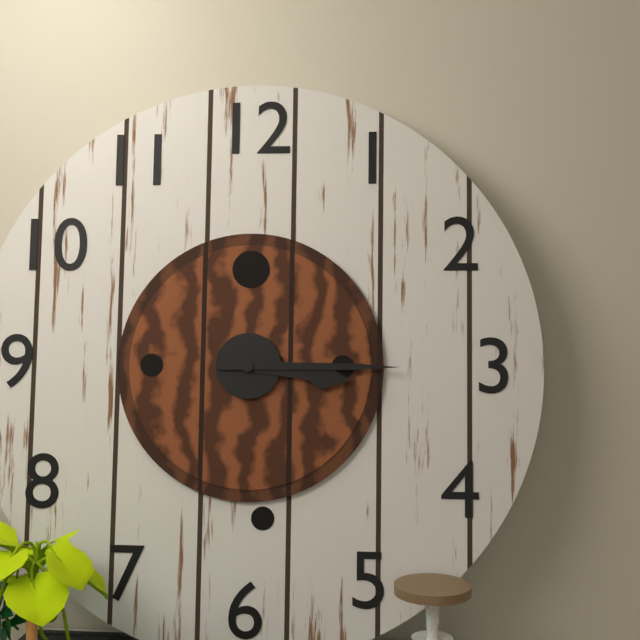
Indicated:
3 h 15 min
